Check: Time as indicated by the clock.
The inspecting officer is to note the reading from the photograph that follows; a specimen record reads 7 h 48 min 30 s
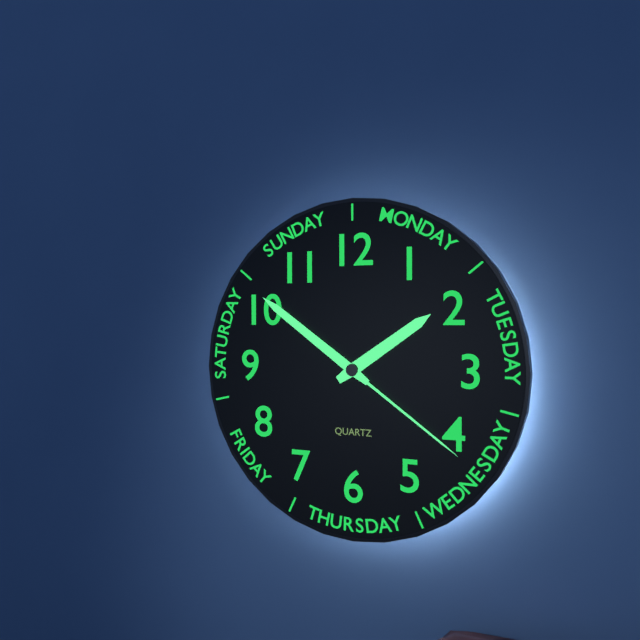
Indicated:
1 h 51 min 21 s
